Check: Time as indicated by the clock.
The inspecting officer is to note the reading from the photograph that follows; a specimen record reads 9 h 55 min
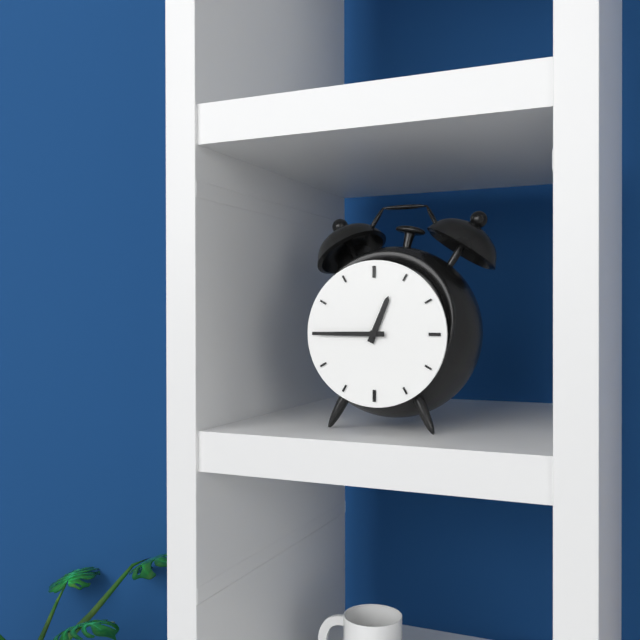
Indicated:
12 h 45 min
